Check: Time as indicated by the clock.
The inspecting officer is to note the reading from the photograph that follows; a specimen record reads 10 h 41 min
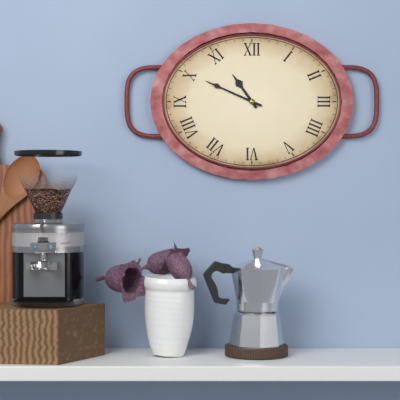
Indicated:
10 h 49 min
